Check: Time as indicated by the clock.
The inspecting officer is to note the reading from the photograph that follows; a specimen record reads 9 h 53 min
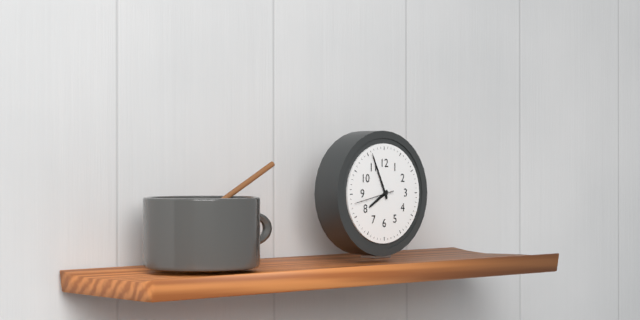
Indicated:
7 h 56 min
